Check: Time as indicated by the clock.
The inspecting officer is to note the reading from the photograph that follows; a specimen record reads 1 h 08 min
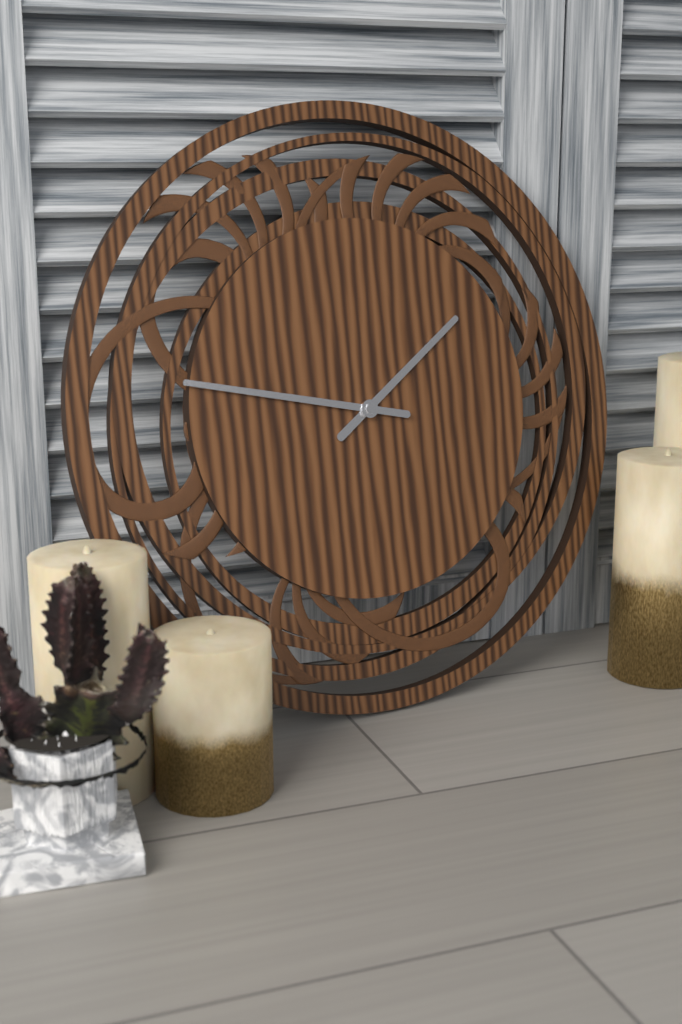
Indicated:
1 h 47 min
